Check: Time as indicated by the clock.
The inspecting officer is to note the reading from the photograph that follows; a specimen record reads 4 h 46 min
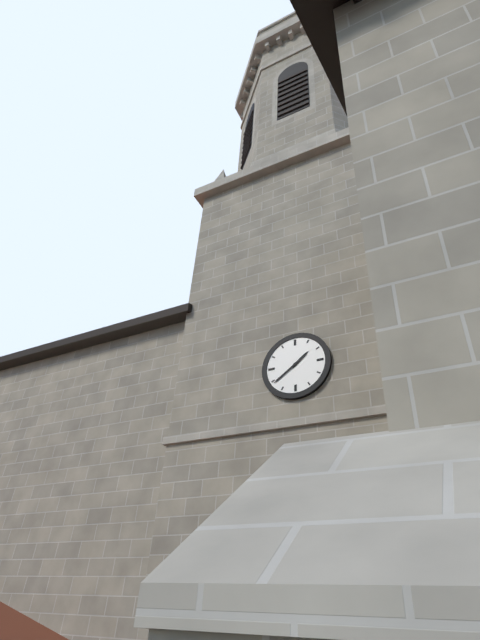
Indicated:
1 h 39 min
